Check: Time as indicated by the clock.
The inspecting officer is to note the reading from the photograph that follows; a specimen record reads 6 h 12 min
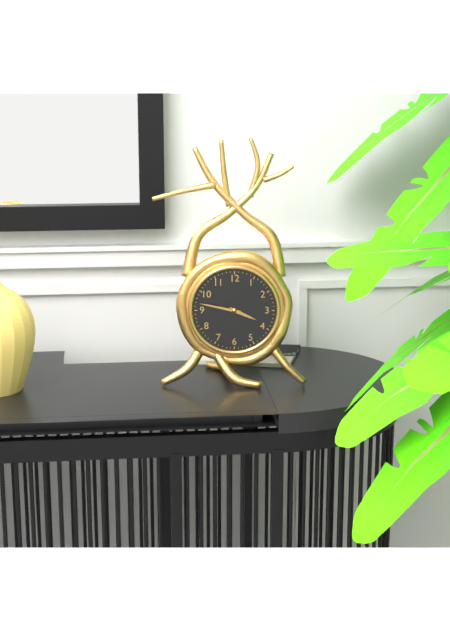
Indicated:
3 h 47 min
